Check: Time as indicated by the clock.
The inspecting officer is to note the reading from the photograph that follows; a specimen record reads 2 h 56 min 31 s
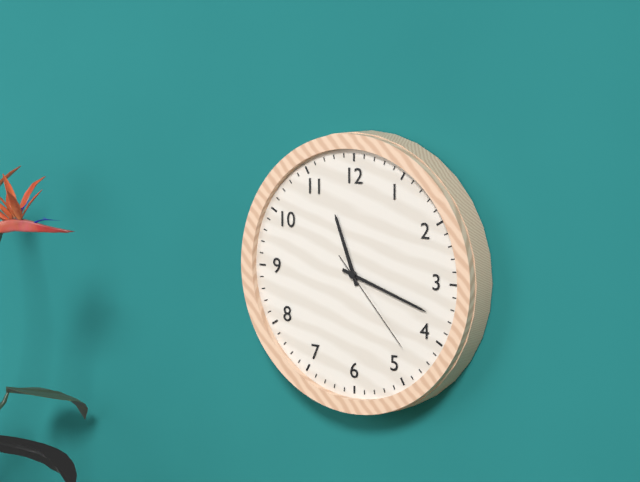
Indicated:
11 h 18 min 23 s
